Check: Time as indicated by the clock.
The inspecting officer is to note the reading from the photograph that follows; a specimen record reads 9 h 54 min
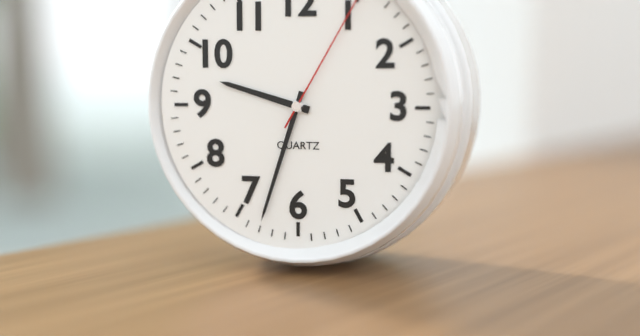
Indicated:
9 h 33 min
